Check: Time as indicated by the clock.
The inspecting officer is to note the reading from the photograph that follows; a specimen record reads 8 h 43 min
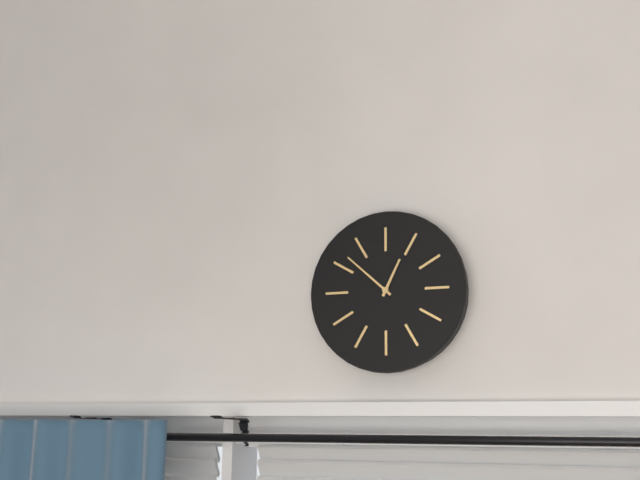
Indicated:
12 h 52 min
